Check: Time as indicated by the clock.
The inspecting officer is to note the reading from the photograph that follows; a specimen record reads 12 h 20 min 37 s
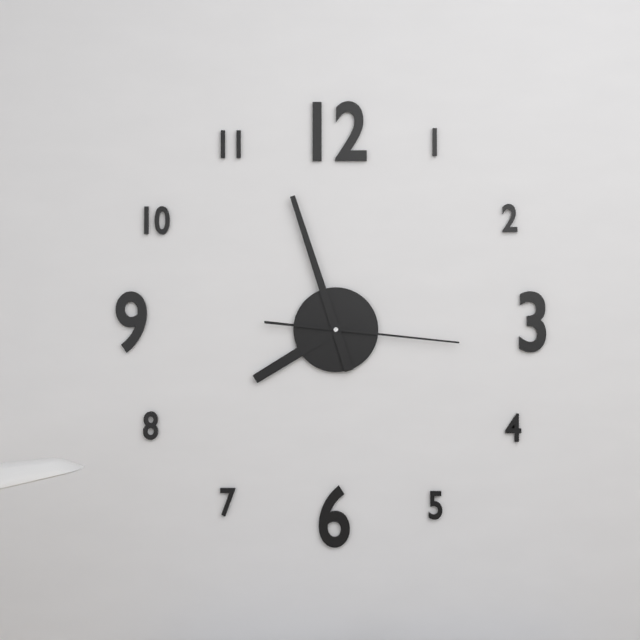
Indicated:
7 h 57 min 16 s
